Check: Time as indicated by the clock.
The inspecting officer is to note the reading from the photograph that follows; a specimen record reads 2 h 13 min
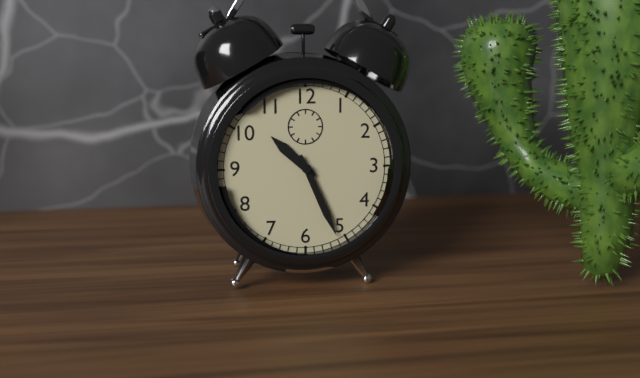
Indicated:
10 h 26 min
